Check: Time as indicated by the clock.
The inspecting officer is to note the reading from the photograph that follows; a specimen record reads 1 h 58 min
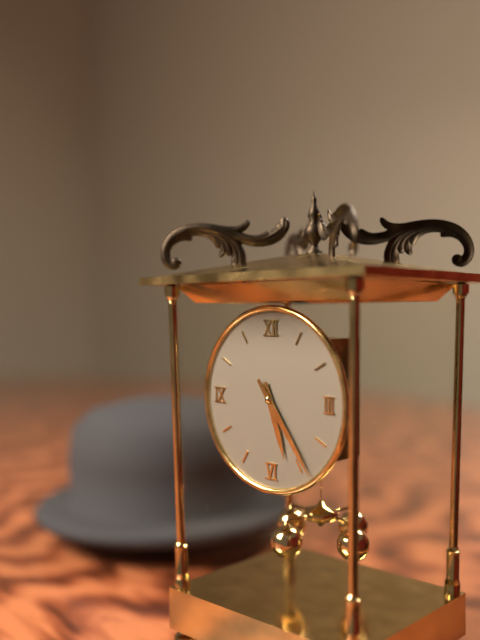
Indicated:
5 h 24 min
